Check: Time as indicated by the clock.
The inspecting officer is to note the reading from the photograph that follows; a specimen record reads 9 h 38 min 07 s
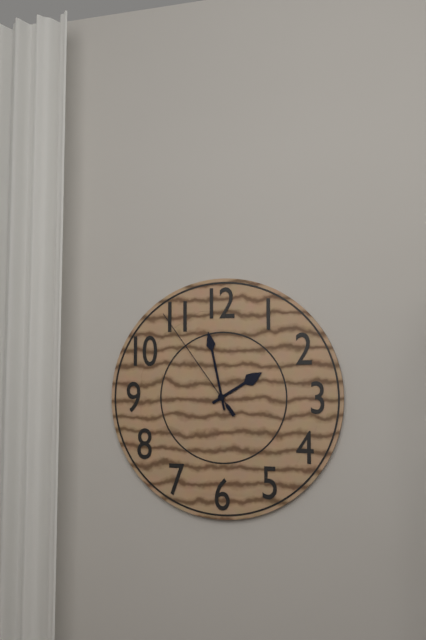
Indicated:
1 h 58 min 54 s
